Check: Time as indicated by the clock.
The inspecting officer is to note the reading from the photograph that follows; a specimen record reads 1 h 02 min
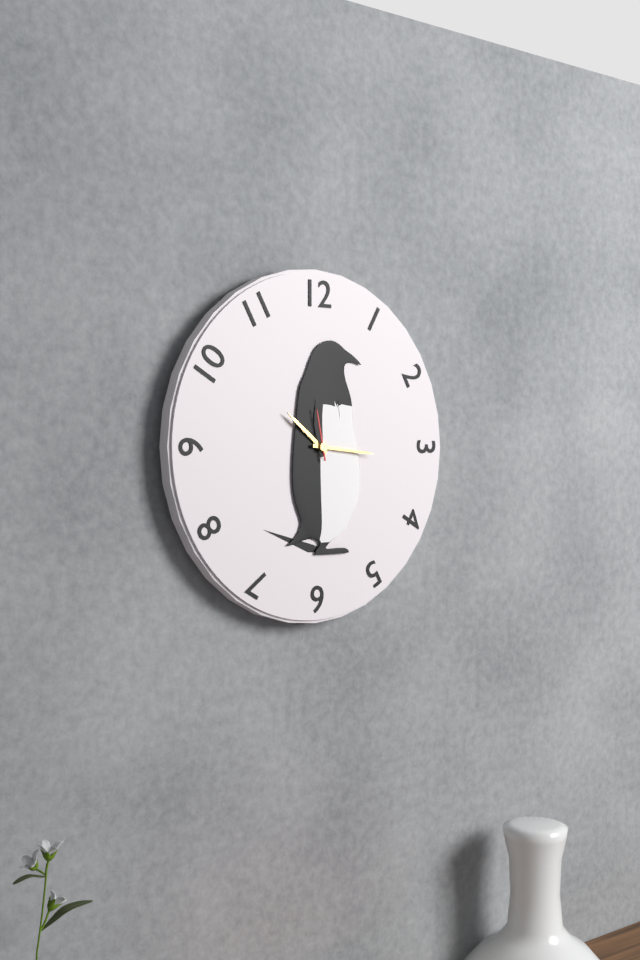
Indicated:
10 h 16 min
